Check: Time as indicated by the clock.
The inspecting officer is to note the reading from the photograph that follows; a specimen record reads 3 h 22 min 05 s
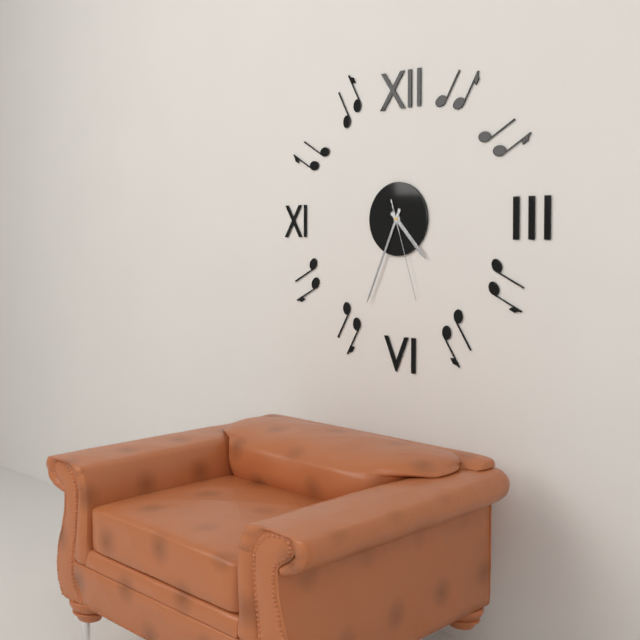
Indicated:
4 h 34 min 27 s
